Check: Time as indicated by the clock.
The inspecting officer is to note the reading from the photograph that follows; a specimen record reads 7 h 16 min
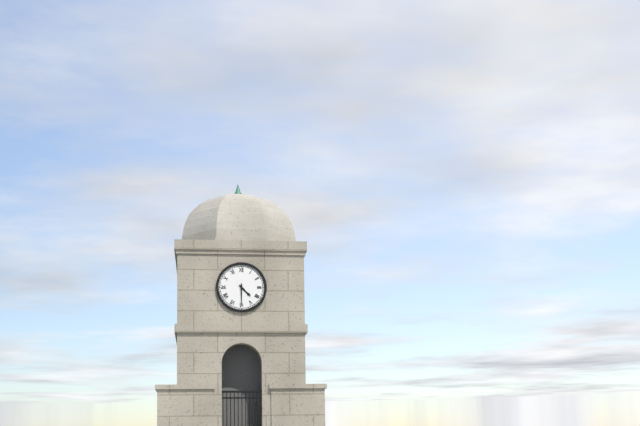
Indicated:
4 h 30 min
